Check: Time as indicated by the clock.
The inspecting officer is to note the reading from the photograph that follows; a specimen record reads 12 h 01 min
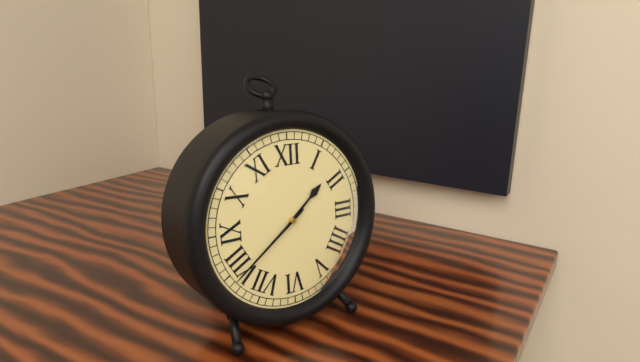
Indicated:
1 h 39 min
